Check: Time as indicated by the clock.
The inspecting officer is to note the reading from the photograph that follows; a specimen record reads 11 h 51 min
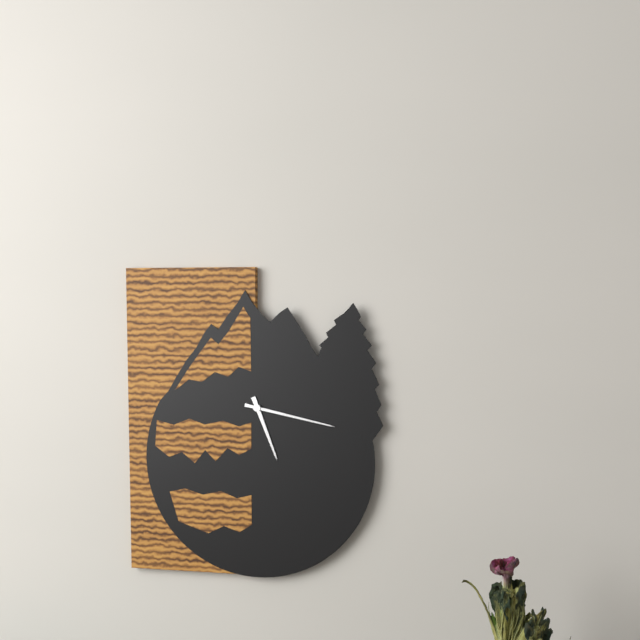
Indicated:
5 h 17 min
